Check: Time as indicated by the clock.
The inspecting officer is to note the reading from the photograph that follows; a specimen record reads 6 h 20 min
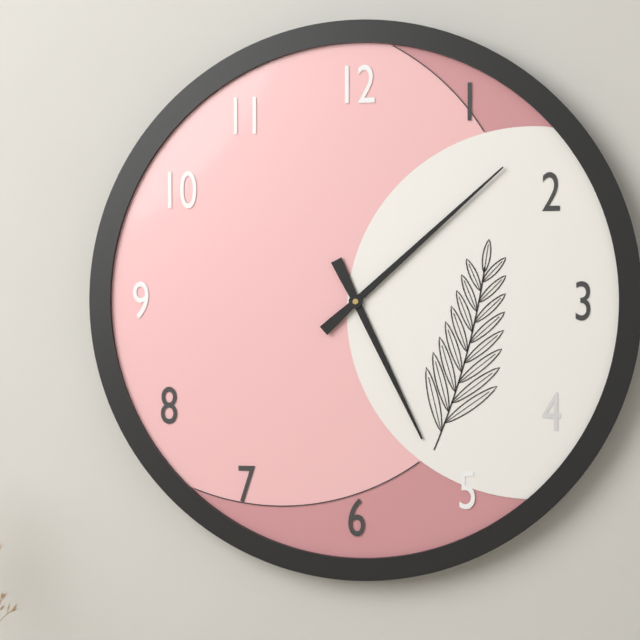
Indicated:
5 h 08 min
